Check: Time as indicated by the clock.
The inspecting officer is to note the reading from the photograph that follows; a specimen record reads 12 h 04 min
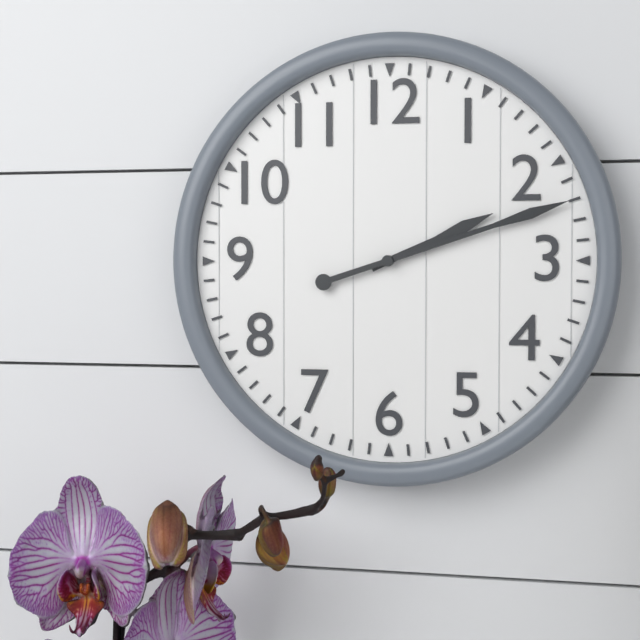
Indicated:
2 h 12 min
